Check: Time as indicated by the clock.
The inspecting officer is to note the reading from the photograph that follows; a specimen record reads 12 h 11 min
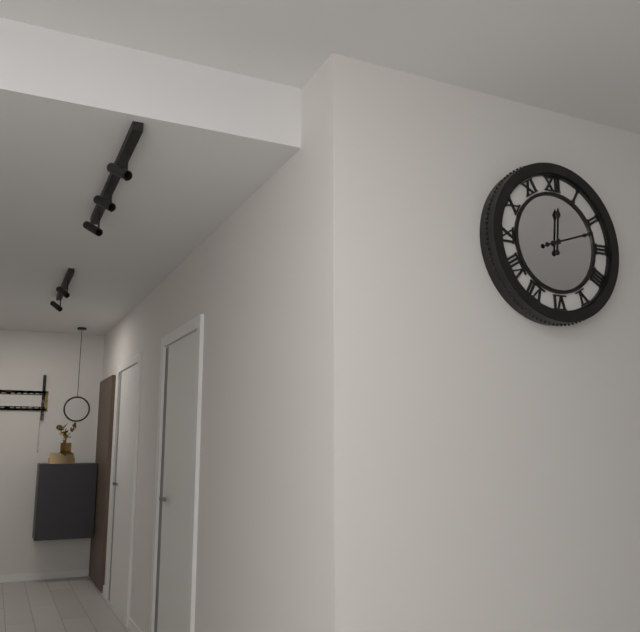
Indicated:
12 h 12 min
